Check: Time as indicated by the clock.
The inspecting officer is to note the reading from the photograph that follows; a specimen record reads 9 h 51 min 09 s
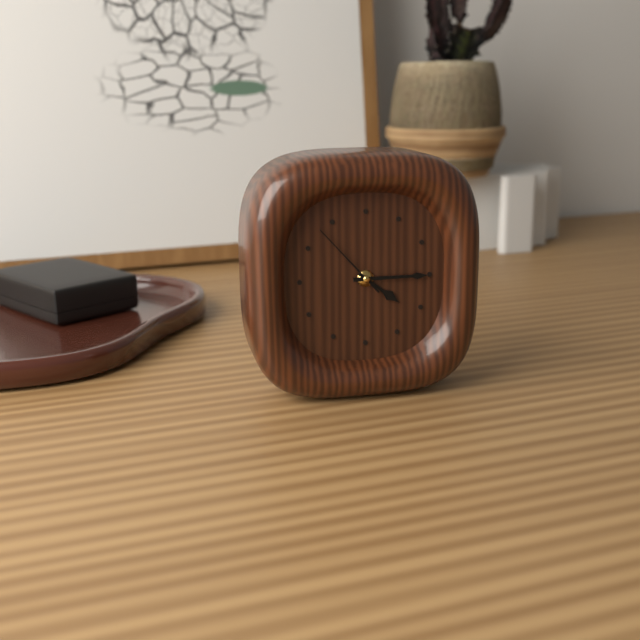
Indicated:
4 h 15 min 53 s
